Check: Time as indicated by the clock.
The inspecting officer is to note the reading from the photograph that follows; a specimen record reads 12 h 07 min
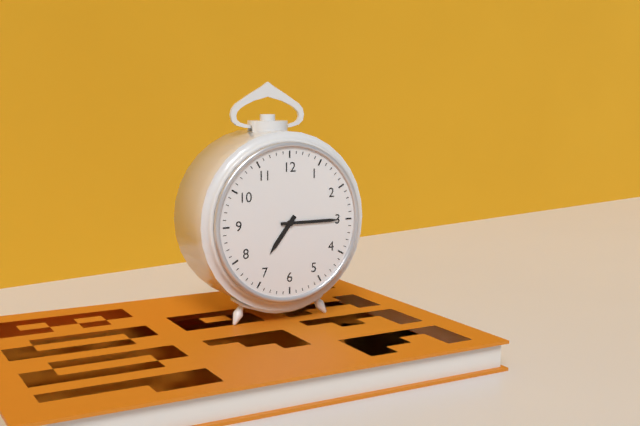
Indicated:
7 h 15 min
